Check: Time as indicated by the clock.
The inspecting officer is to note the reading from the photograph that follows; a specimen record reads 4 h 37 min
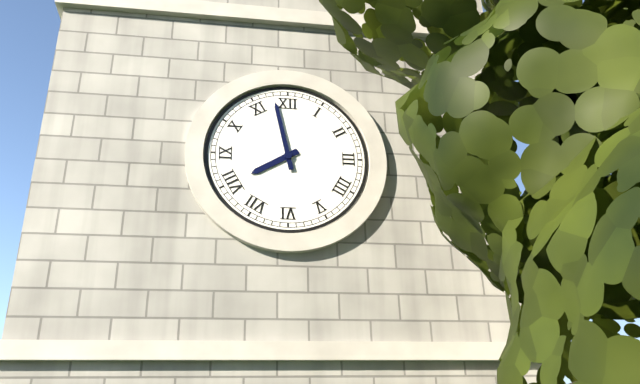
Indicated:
7 h 58 min
